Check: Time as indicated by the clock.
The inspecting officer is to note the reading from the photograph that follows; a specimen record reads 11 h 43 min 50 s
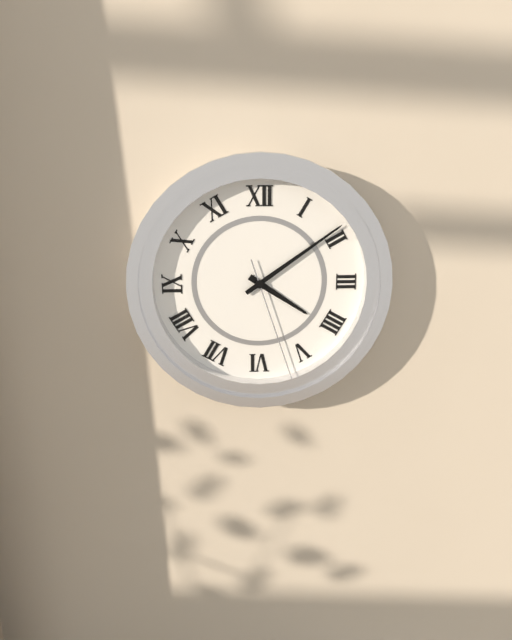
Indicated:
4 h 09 min 27 s
